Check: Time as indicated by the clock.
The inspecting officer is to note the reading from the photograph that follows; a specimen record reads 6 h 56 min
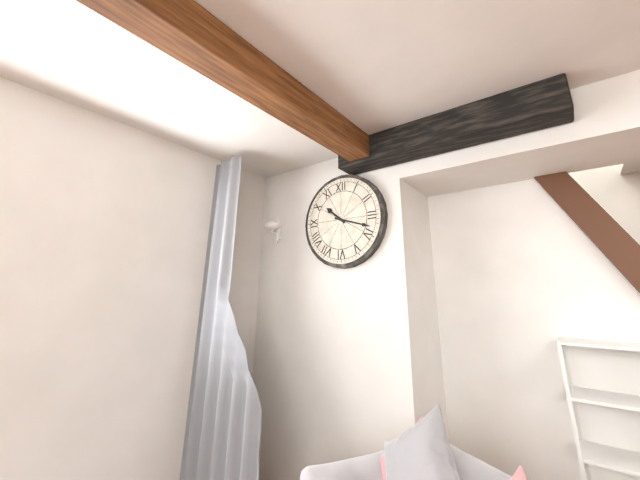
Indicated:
10 h 18 min
